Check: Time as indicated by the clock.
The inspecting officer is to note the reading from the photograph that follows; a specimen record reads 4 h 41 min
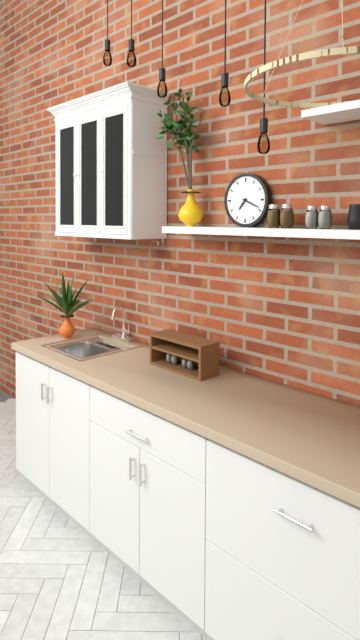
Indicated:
7 h 19 min
